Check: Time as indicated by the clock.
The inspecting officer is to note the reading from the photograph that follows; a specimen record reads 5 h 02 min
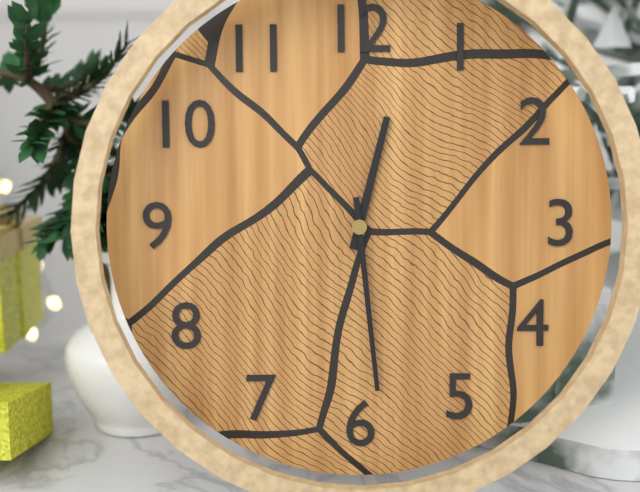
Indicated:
12 h 29 min
